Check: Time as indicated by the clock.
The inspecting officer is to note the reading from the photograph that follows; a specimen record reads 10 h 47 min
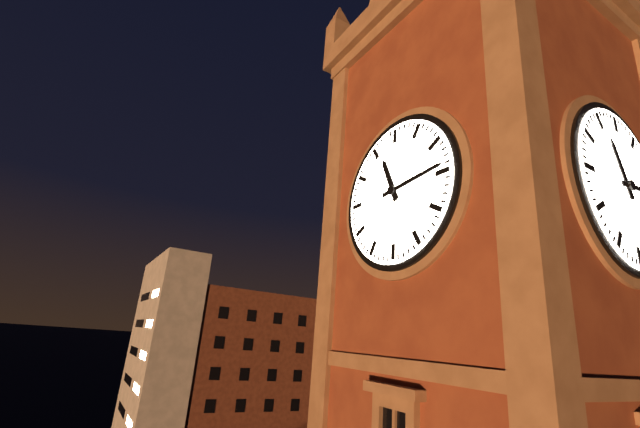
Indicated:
11 h 14 min
